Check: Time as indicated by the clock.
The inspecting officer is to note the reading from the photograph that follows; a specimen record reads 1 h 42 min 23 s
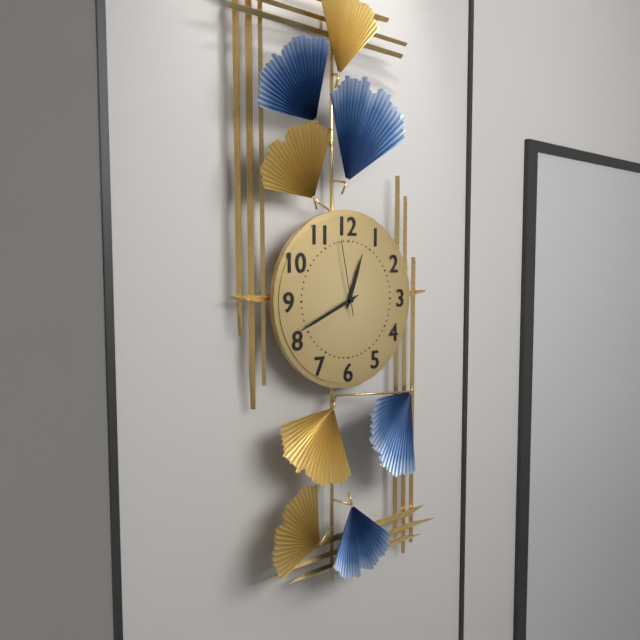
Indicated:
12 h 41 min 58 s
